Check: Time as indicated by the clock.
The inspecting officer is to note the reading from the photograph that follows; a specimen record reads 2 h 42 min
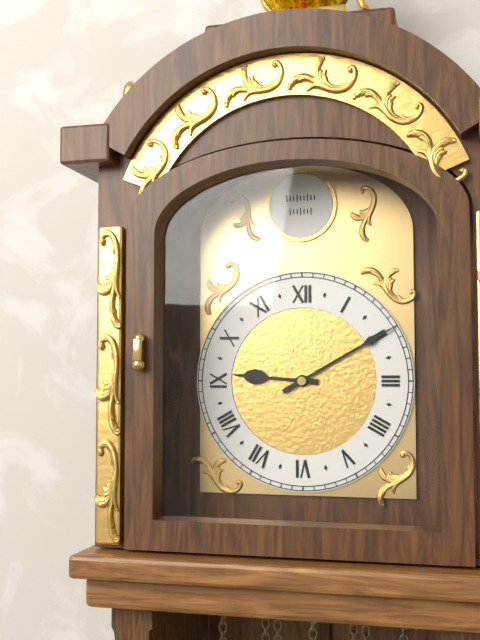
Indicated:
9 h 10 min
